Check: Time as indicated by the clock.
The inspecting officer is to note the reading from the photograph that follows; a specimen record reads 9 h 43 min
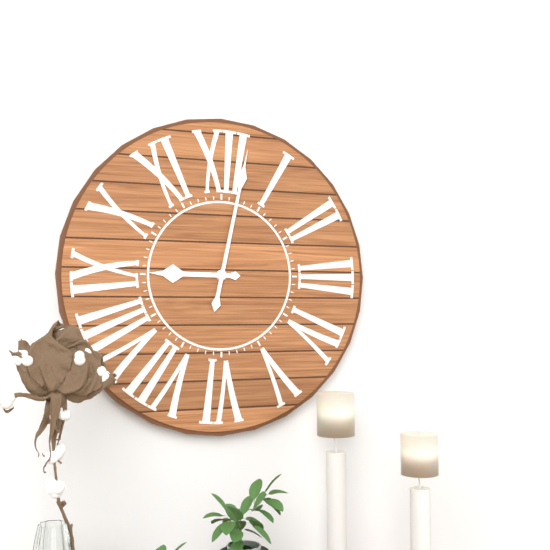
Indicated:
9 h 02 min
